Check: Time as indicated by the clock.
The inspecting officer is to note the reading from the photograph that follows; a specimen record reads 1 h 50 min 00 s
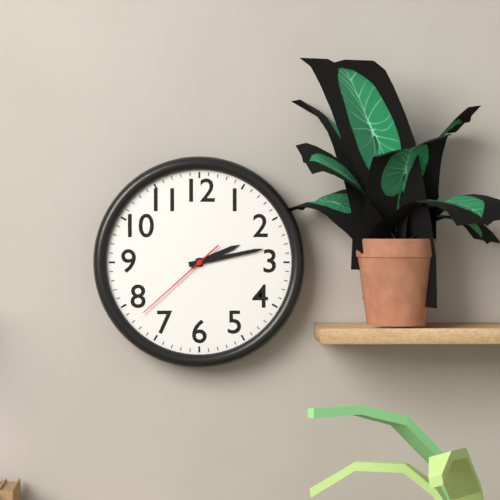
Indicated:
2 h 13 min 38 s
